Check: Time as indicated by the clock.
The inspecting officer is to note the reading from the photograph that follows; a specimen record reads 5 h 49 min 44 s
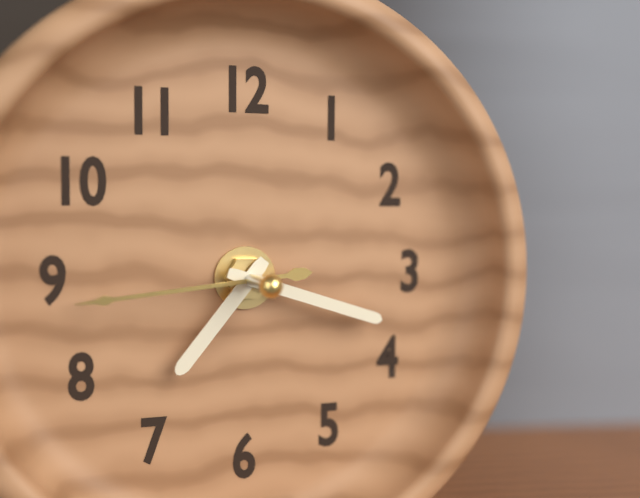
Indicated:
7 h 18 min 44 s
